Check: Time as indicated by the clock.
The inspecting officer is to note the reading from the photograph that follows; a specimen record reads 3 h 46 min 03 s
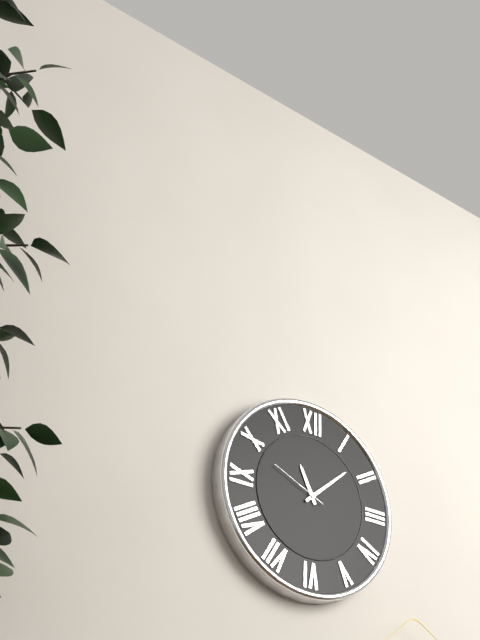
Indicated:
11 h 08 min 49 s
